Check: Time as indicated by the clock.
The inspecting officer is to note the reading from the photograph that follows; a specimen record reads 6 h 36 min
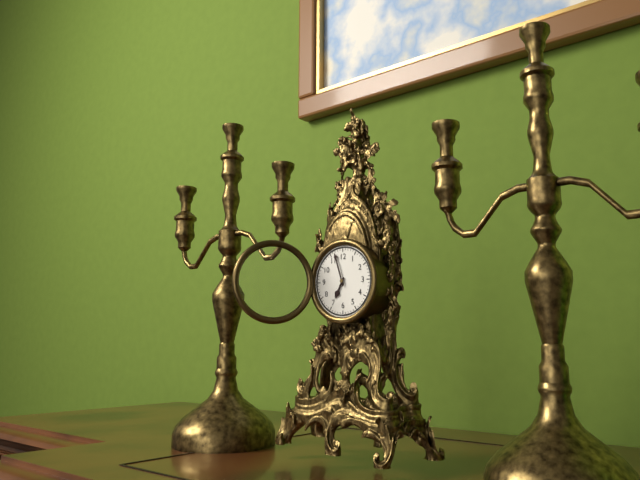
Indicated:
6 h 57 min
